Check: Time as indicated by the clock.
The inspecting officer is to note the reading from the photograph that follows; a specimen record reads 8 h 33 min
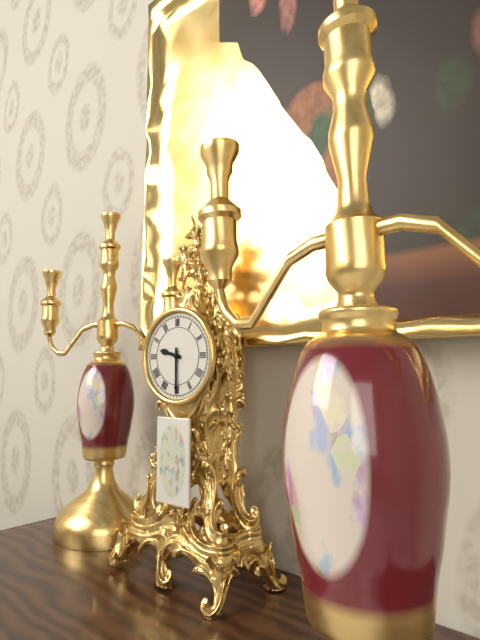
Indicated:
9 h 30 min
